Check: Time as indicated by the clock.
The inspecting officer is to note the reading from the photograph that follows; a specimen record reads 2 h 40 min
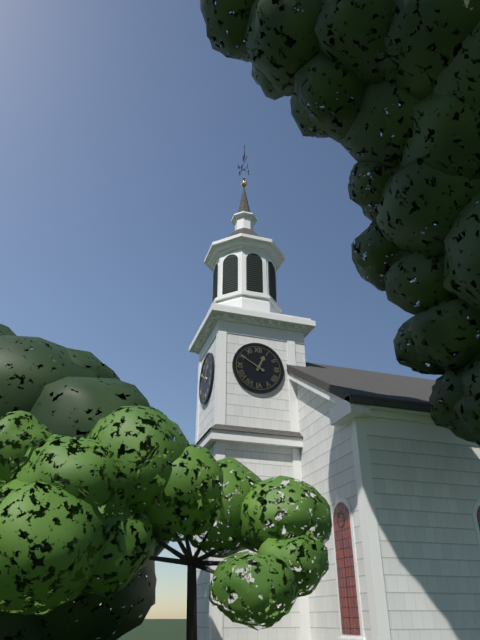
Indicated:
12 h 50 min
